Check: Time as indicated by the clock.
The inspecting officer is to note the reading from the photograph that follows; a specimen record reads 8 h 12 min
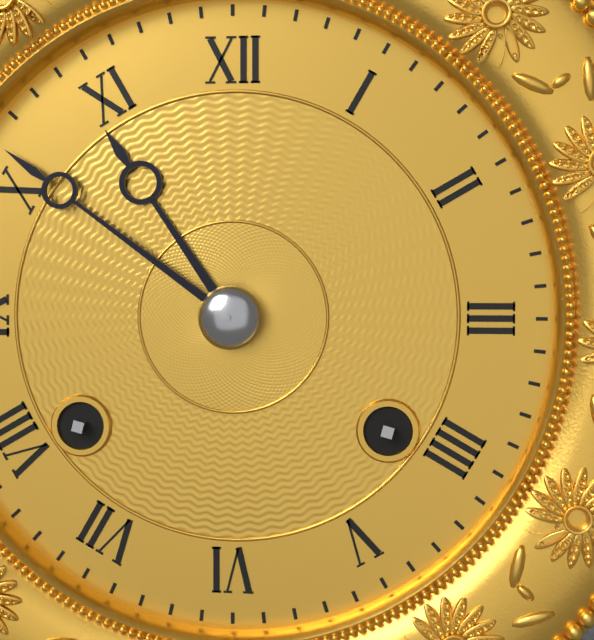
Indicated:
10 h 51 min
